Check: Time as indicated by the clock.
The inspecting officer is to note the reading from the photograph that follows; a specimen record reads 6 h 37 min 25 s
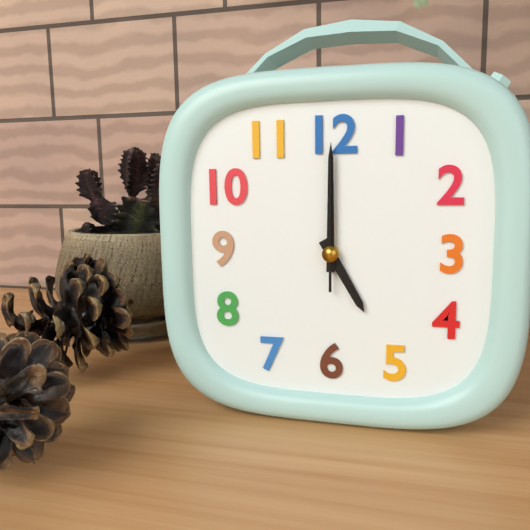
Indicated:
5 h 00 min 00 s
